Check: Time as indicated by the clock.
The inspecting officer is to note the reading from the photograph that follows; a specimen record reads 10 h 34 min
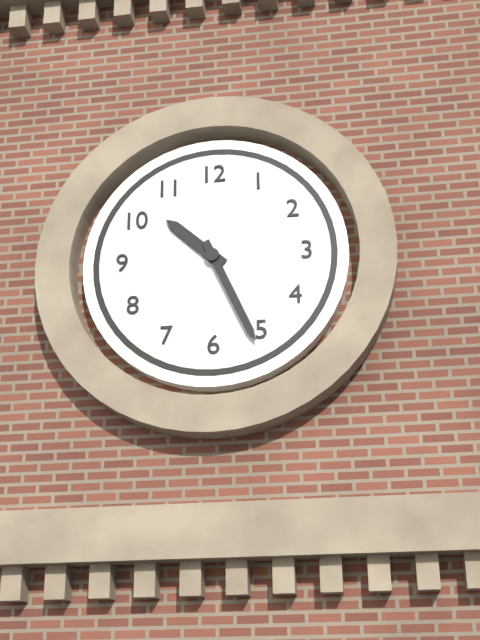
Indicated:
10 h 26 min
